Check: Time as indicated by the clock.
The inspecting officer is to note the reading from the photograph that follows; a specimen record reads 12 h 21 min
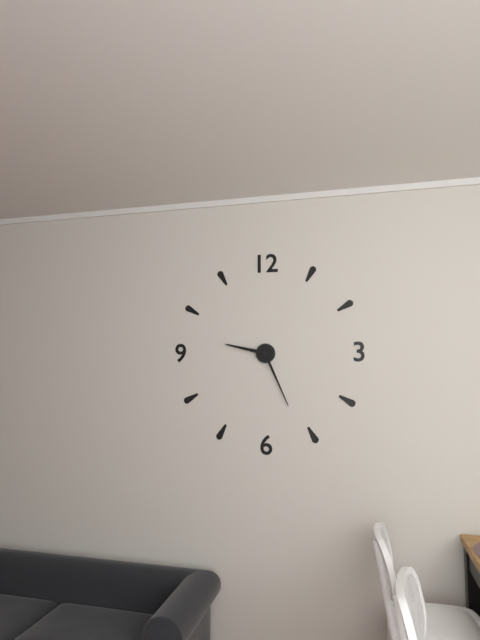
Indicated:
9 h 26 min
